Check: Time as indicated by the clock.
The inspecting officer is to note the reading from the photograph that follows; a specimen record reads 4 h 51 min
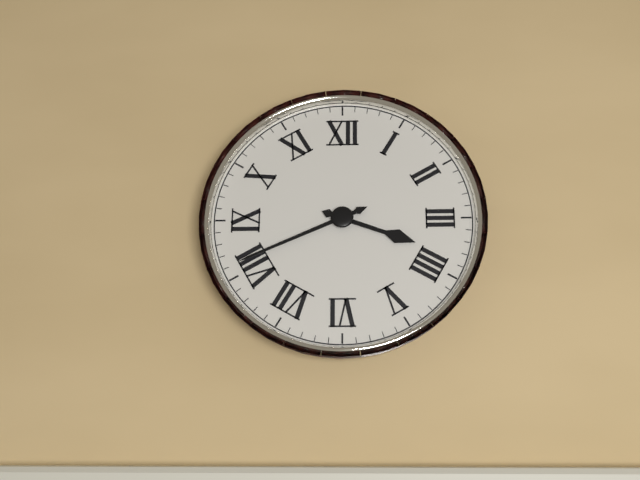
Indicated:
3 h 41 min
